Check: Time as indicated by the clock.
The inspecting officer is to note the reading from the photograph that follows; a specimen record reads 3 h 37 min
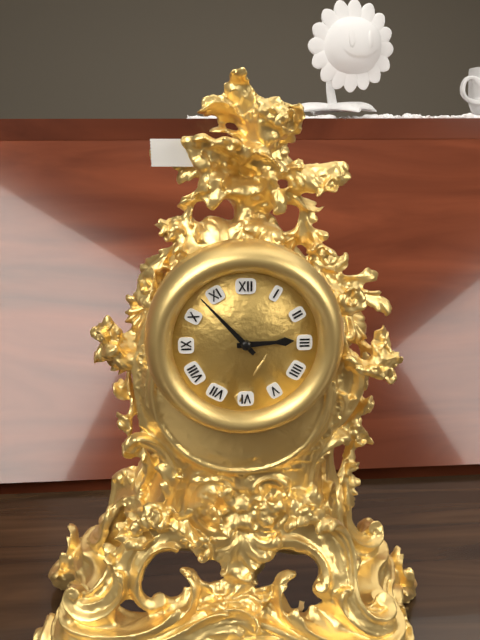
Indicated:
2 h 53 min
